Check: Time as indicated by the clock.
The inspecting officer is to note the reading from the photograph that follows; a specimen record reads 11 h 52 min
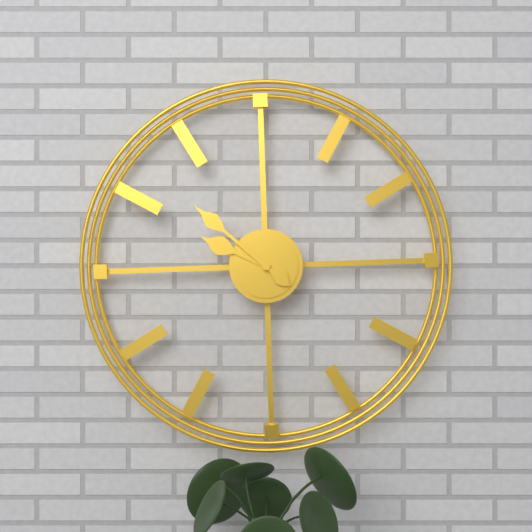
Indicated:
9 h 52 min
